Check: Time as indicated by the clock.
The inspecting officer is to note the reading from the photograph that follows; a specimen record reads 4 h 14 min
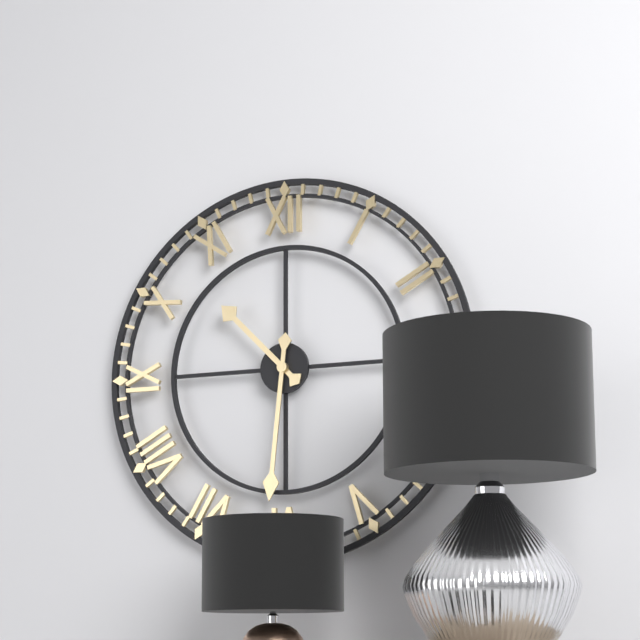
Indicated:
10 h 31 min
